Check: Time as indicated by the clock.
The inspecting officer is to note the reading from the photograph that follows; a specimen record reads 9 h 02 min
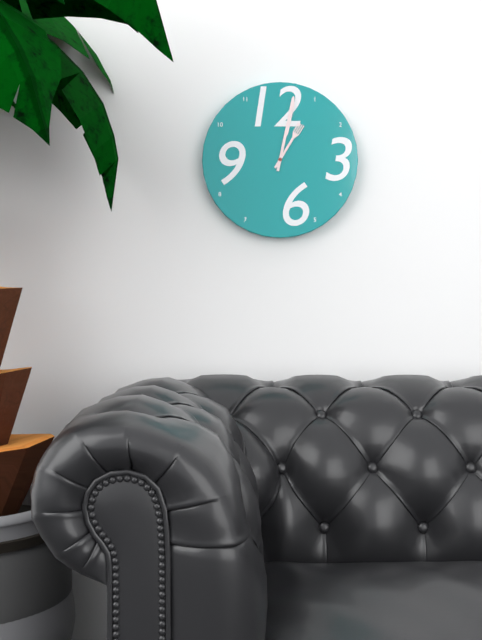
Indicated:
1 h 02 min
